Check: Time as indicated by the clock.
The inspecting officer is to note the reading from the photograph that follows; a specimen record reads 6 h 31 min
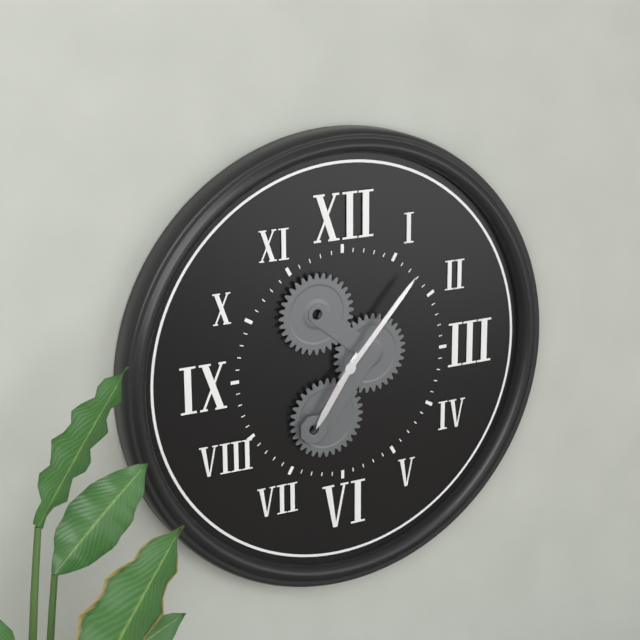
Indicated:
7 h 07 min
